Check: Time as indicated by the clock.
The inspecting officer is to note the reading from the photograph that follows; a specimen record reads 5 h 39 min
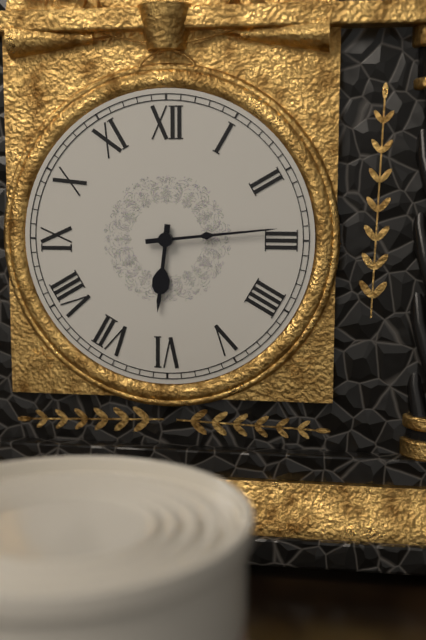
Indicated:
6 h 14 min
